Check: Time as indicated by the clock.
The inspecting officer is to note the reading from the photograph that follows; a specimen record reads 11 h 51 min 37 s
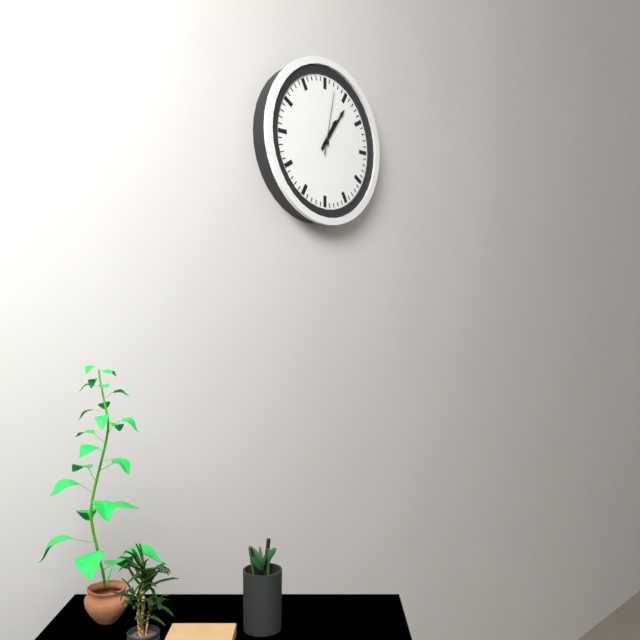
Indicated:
1 h 06 min 02 s
